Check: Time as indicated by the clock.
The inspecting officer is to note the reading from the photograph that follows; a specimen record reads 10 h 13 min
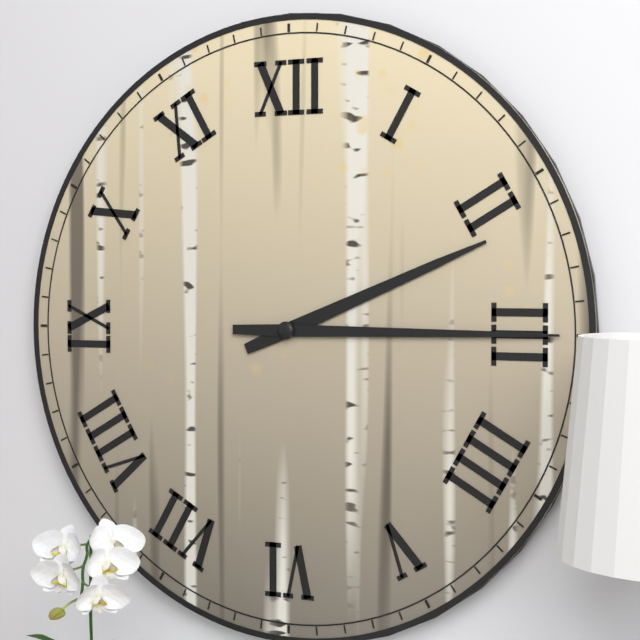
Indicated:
2 h 15 min
